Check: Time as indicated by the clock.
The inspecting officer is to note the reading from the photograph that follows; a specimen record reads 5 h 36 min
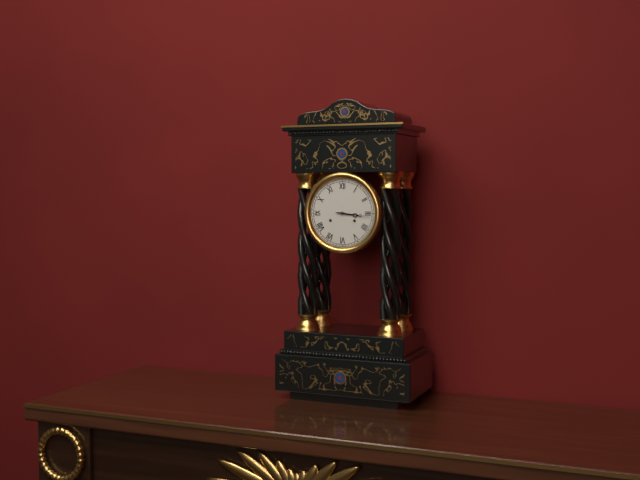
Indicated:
3 h 16 min
